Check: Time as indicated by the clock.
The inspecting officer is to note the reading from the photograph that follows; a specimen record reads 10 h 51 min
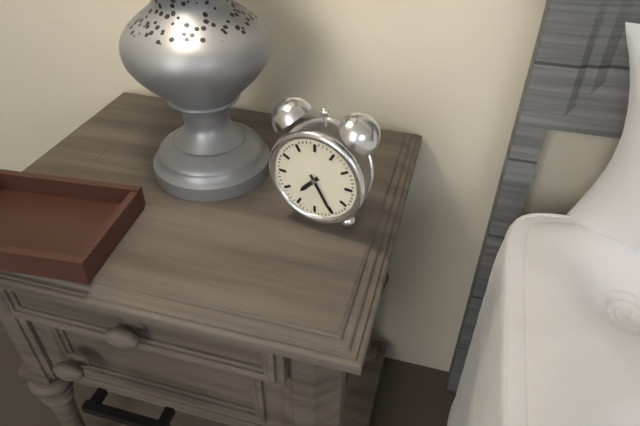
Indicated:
7 h 25 min
